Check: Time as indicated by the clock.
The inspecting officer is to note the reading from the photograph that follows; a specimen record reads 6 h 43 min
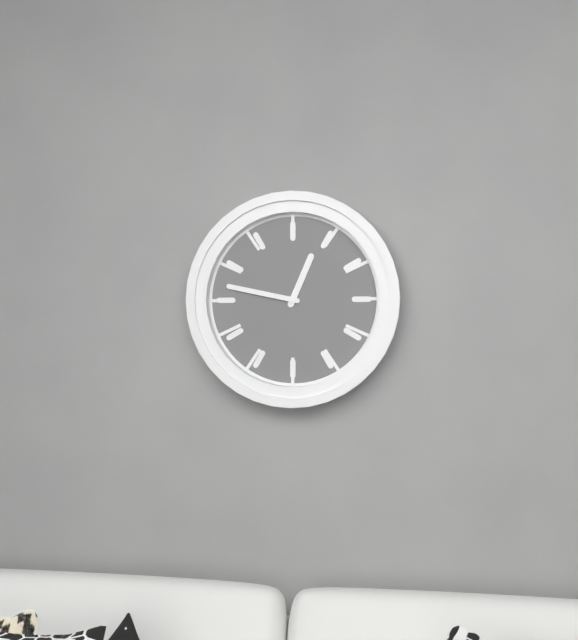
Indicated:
12 h 47 min
